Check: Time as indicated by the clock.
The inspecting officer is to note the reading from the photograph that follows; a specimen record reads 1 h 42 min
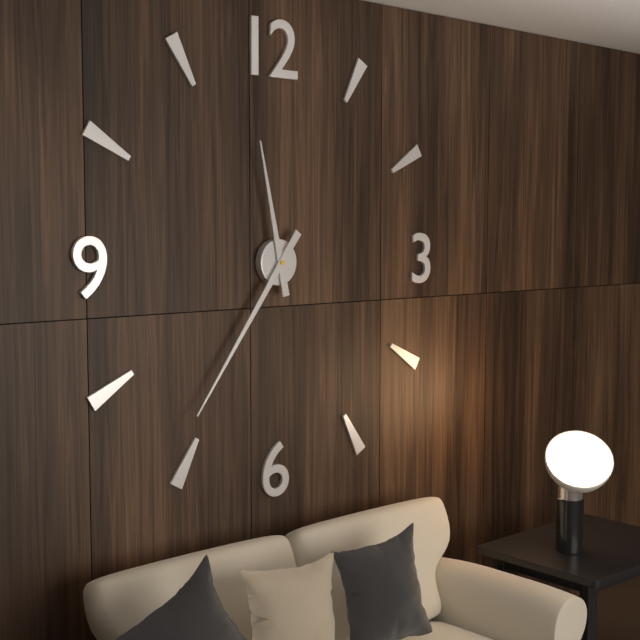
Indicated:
11 h 36 min
